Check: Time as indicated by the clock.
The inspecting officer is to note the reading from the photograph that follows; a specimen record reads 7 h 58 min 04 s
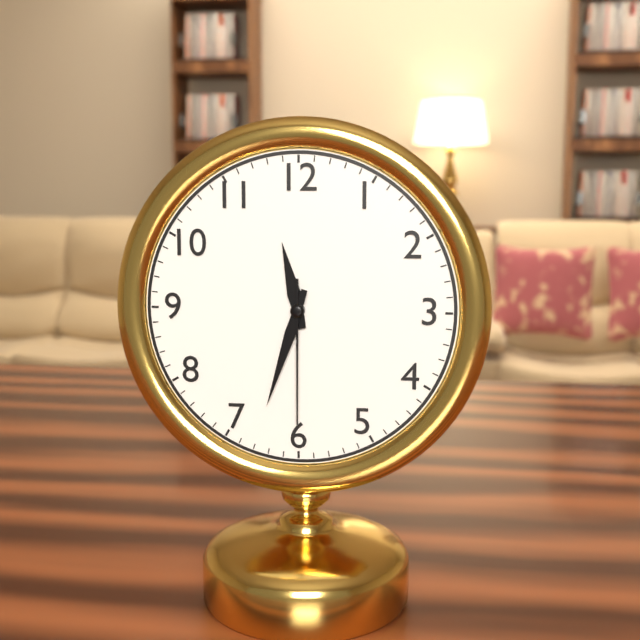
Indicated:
11 h 33 min 30 s
